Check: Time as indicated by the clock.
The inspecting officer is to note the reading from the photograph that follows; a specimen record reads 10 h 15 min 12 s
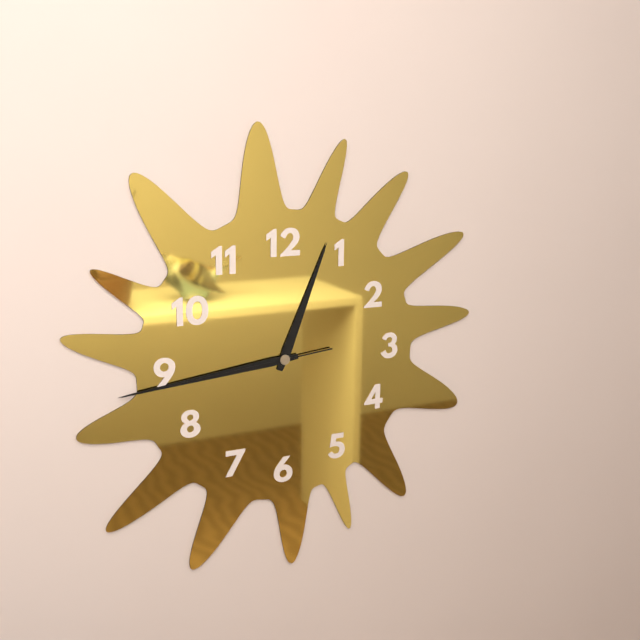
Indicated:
12 h 44 min 44 s
